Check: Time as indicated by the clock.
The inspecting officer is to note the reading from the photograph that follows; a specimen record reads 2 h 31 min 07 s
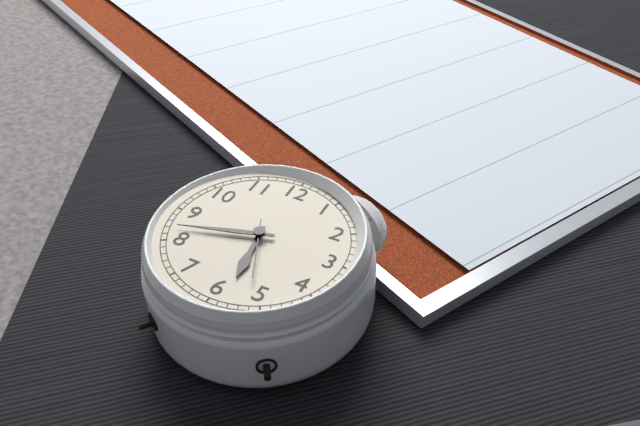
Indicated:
5 h 42 min 26 s
